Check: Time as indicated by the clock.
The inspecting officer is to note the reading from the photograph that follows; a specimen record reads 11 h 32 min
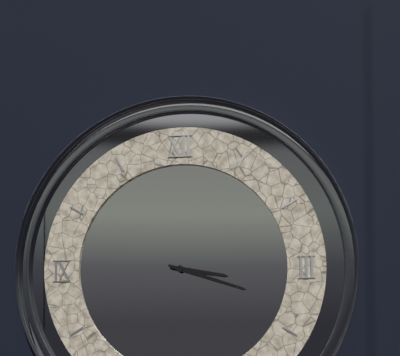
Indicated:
3 h 18 min
